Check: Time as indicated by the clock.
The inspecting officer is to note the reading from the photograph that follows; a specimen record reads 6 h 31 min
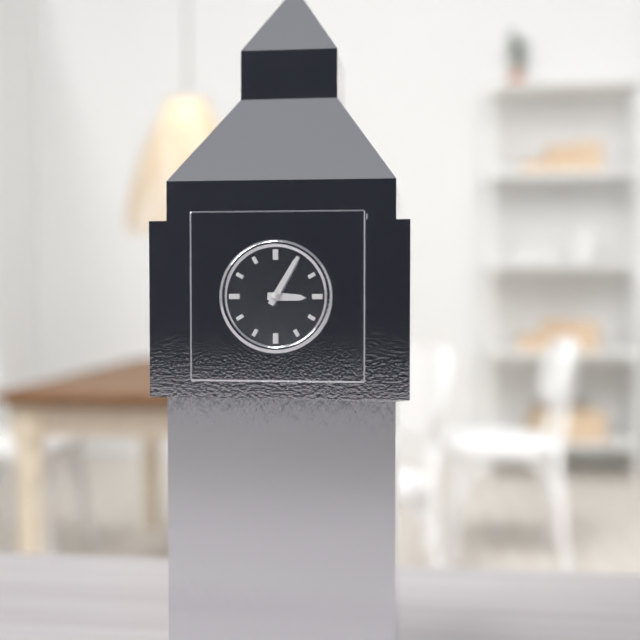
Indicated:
3 h 05 min
